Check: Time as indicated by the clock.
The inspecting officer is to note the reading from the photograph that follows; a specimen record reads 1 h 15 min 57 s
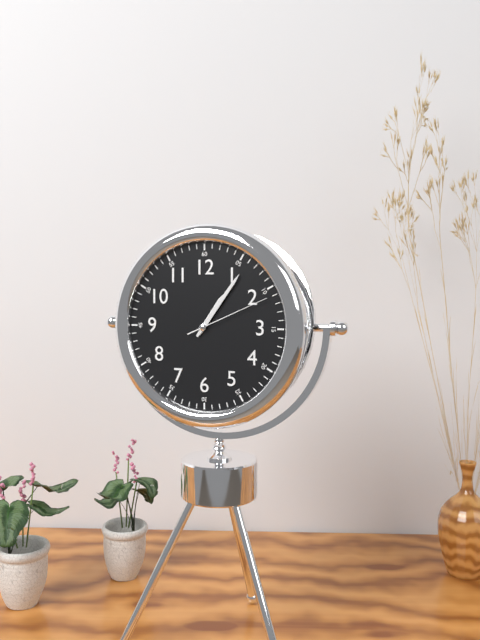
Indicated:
1 h 06 min 11 s
